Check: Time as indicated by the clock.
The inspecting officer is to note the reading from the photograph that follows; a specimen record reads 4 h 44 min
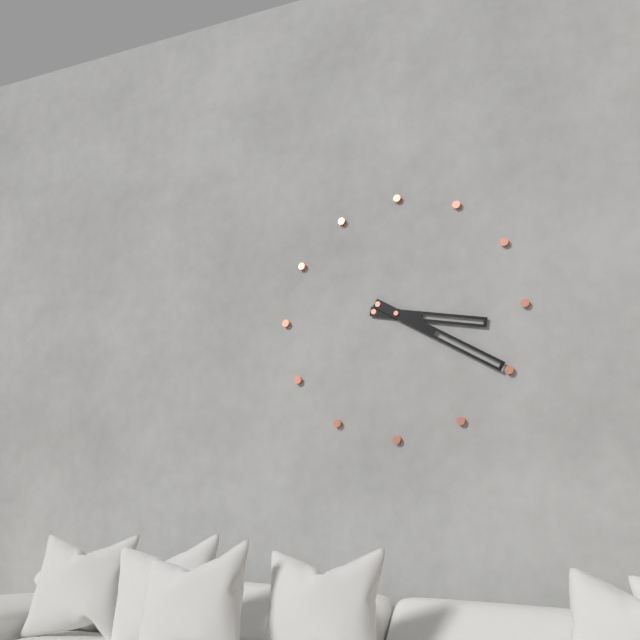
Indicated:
3 h 20 min
